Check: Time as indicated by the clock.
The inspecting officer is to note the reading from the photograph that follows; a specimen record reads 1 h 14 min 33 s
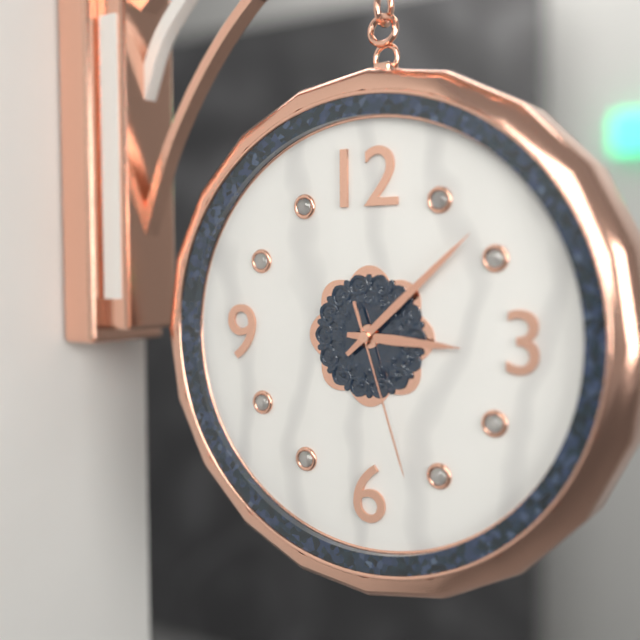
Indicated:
3 h 08 min 27 s
